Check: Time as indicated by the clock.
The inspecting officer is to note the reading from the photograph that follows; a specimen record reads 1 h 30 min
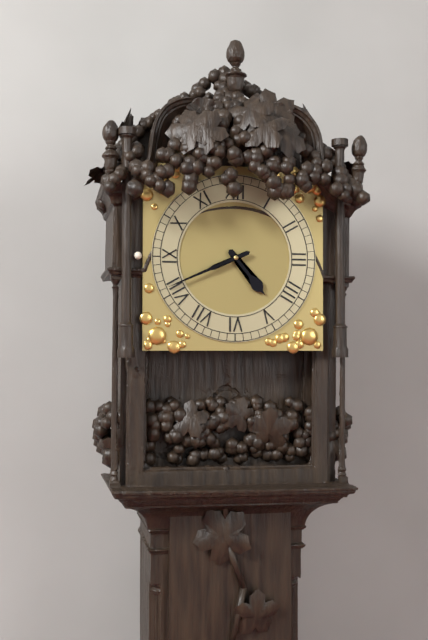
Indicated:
4 h 41 min
